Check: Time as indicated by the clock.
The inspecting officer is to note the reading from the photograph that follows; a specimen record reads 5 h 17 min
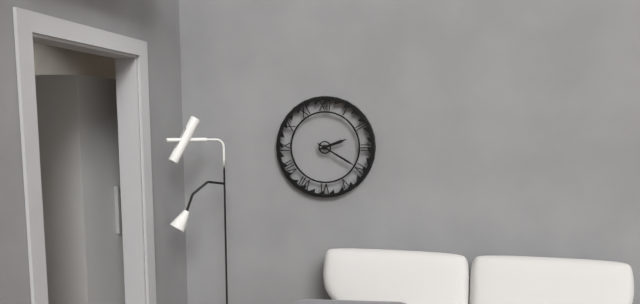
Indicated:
2 h 20 min
